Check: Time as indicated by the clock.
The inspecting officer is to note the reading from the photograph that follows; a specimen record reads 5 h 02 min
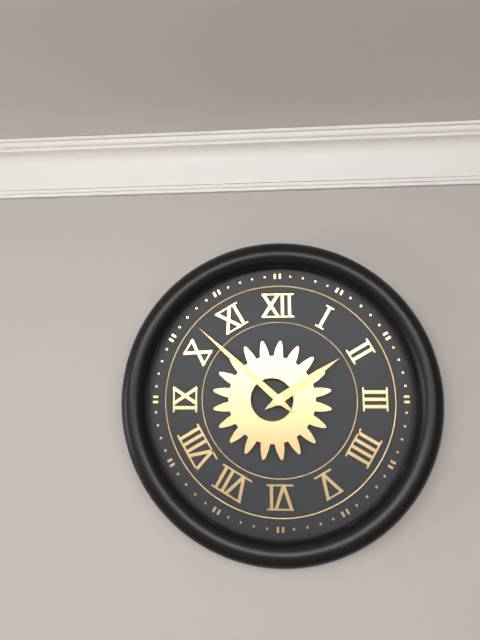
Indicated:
1 h 52 min
